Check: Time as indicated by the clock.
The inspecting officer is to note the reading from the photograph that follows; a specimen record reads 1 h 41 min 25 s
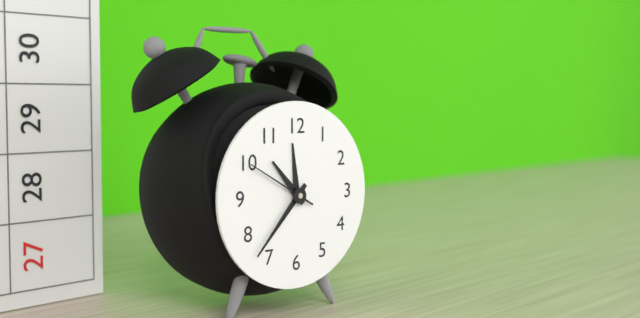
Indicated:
10 h 37 min 50 s
